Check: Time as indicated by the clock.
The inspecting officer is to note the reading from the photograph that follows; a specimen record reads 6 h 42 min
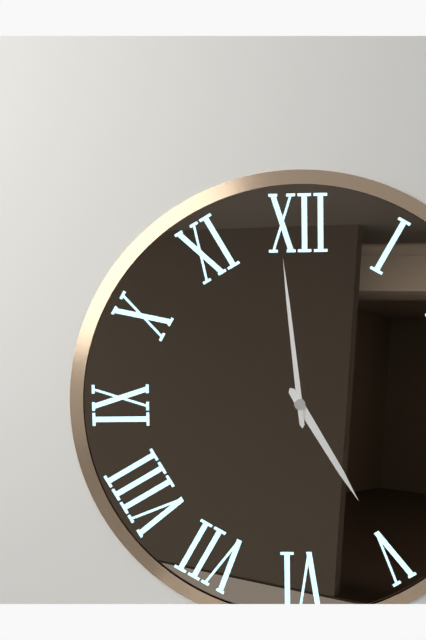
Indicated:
4 h 59 min
